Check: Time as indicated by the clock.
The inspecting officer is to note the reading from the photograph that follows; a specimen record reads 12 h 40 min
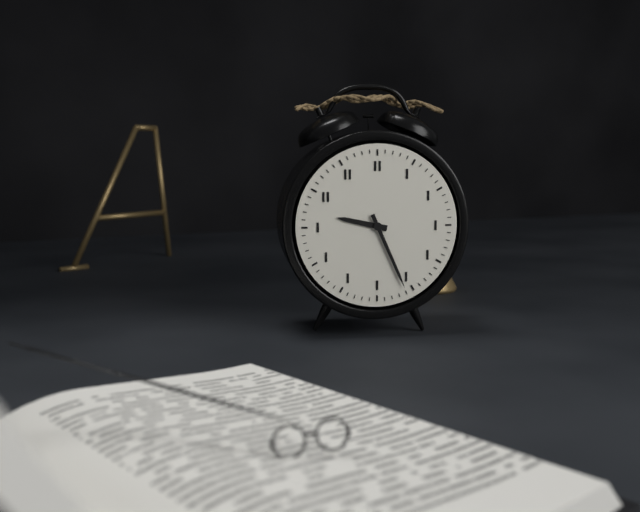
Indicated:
9 h 26 min
